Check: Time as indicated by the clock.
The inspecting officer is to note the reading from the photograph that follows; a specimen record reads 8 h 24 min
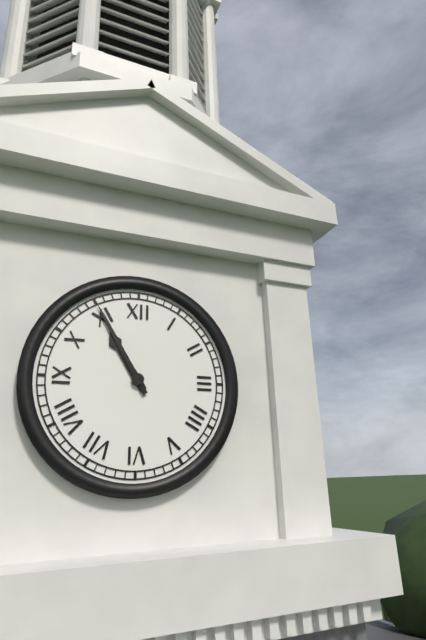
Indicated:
10 h 55 min
